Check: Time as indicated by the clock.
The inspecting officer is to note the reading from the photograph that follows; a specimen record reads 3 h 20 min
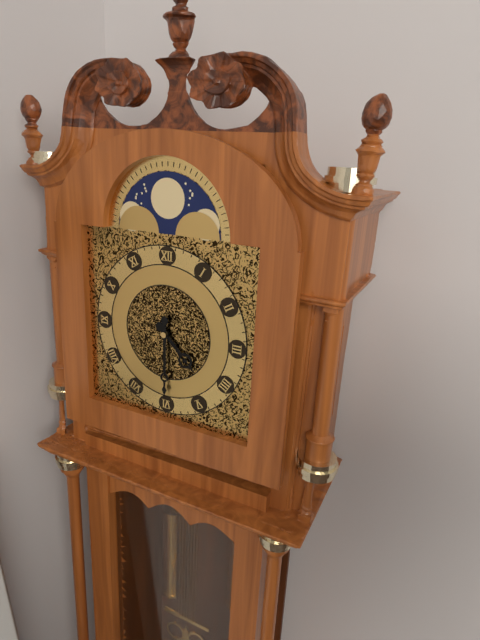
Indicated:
4 h 30 min
